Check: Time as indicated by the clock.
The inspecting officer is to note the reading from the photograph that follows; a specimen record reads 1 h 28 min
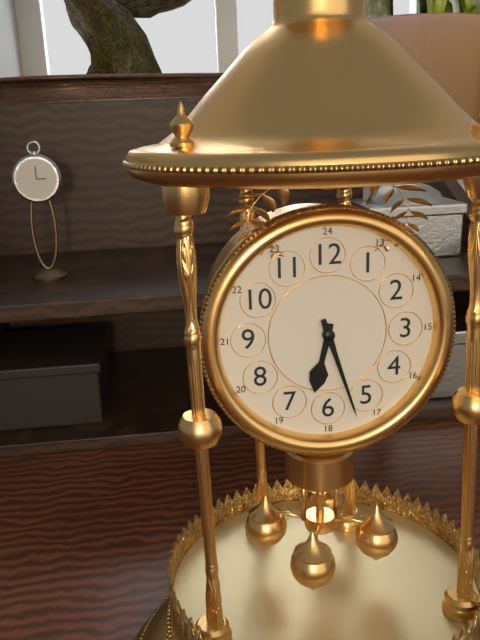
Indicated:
6 h 27 min
